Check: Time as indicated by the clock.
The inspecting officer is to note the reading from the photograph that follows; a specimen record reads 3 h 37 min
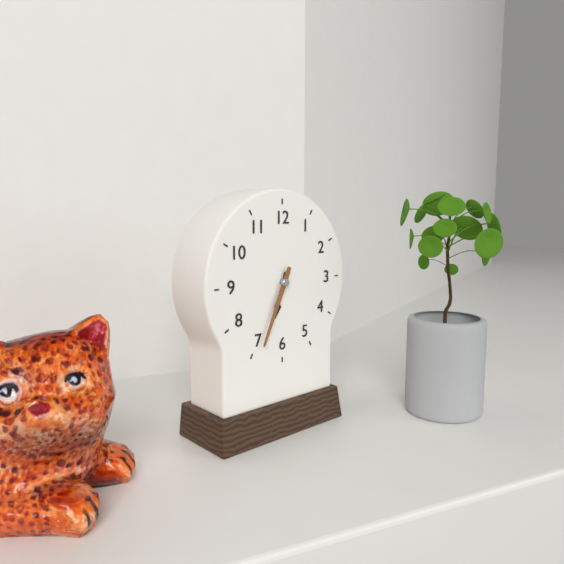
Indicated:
6 h 34 min
